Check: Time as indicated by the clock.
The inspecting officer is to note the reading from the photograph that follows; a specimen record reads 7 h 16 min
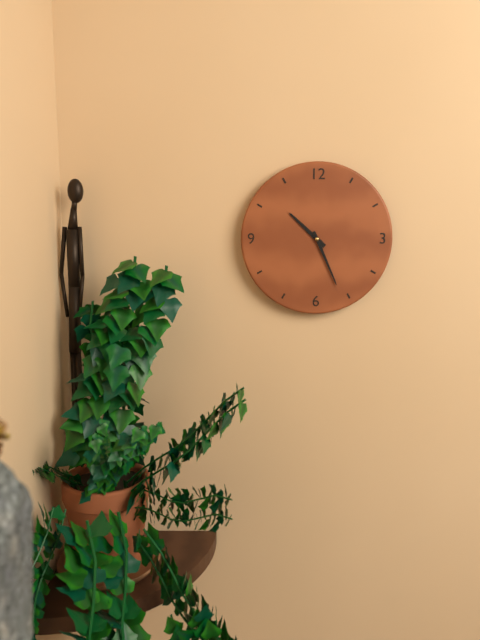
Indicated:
10 h 26 min
